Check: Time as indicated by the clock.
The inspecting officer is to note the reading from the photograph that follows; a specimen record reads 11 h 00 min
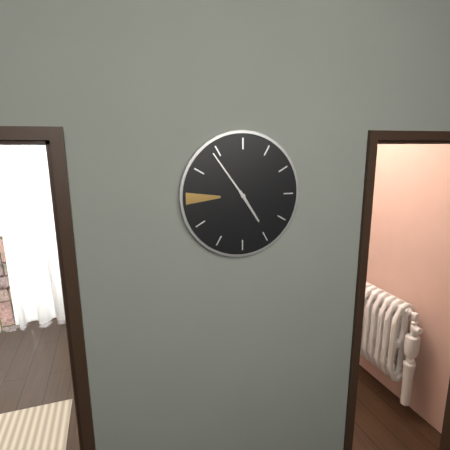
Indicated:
4 h 54 min
